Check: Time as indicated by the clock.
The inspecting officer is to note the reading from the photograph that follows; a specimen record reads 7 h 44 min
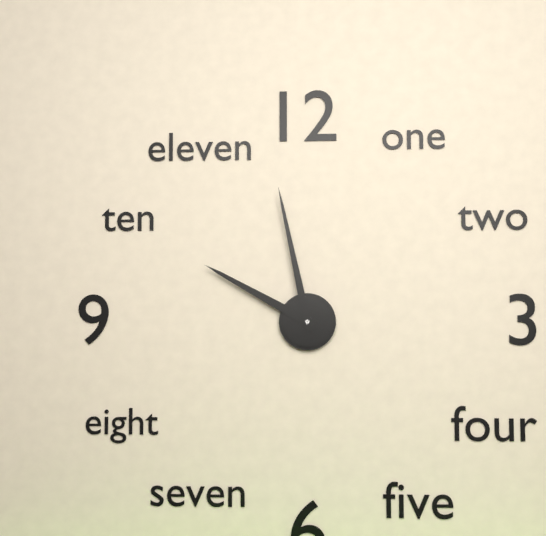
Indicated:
9 h 58 min
